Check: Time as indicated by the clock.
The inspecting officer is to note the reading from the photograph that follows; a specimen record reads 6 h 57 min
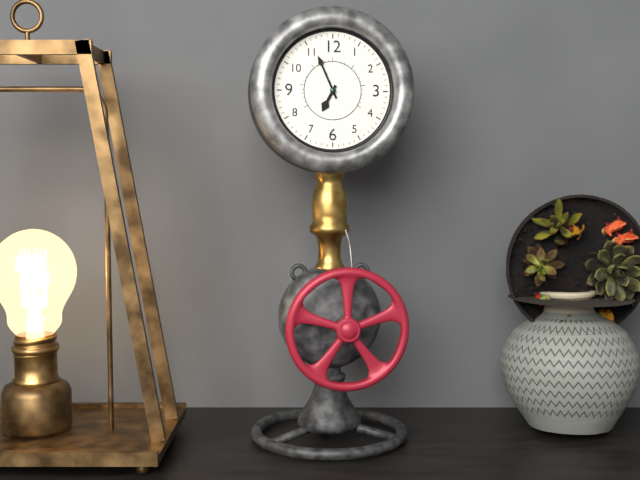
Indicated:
6 h 56 min
